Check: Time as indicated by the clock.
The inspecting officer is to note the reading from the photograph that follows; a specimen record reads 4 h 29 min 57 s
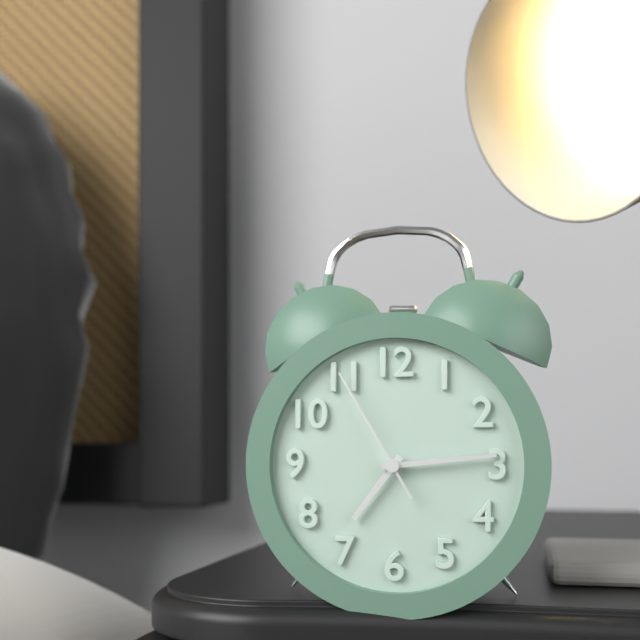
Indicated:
7 h 14 min 55 s
